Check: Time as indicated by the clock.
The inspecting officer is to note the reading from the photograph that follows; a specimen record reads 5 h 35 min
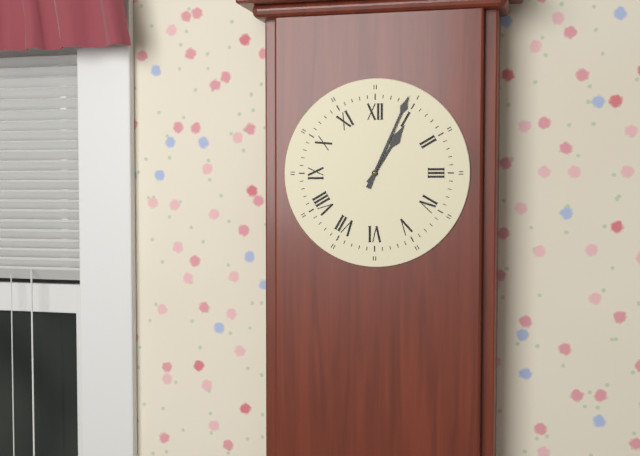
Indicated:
1 h 04 min
